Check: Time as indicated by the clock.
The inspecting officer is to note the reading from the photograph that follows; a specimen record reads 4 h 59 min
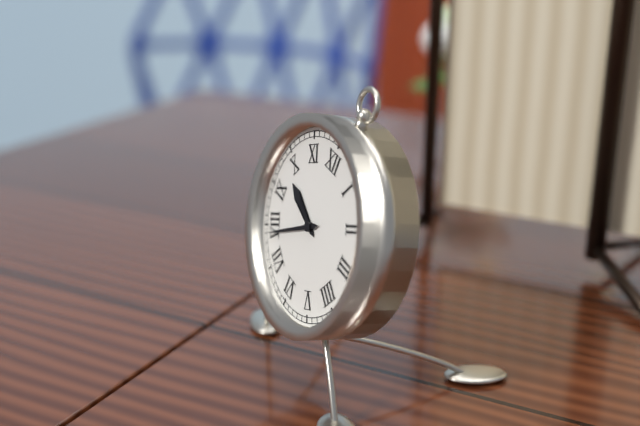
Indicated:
9 h 39 min
